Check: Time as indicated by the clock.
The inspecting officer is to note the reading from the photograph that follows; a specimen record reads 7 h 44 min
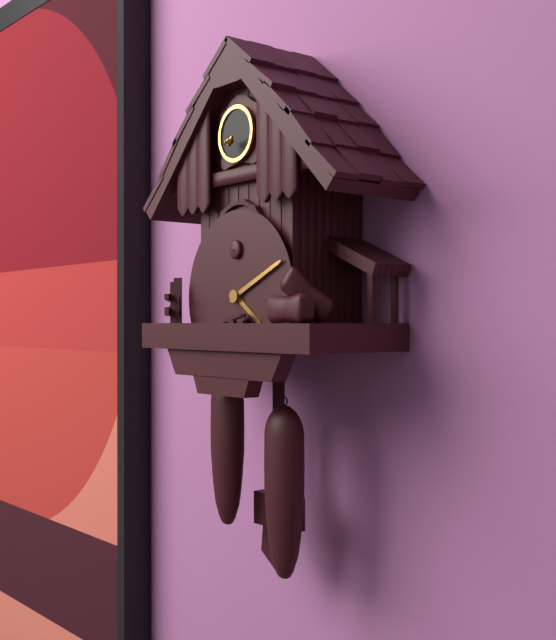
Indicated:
4 h 11 min
